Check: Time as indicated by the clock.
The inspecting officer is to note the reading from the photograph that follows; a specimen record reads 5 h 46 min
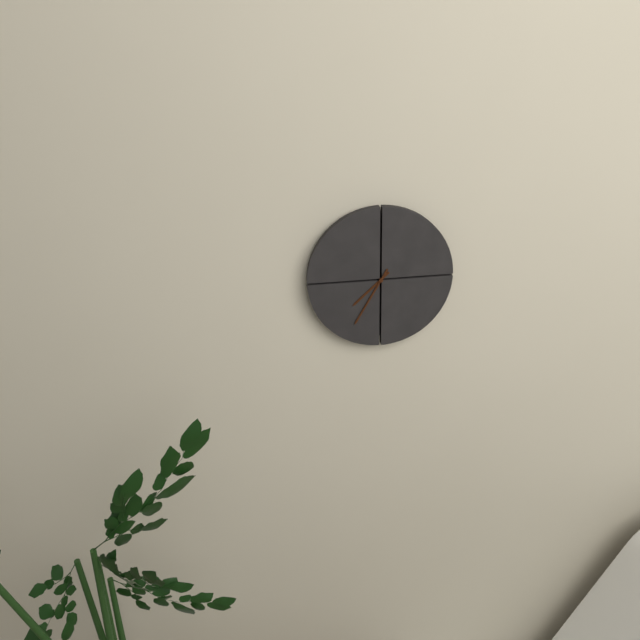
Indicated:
7 h 35 min
